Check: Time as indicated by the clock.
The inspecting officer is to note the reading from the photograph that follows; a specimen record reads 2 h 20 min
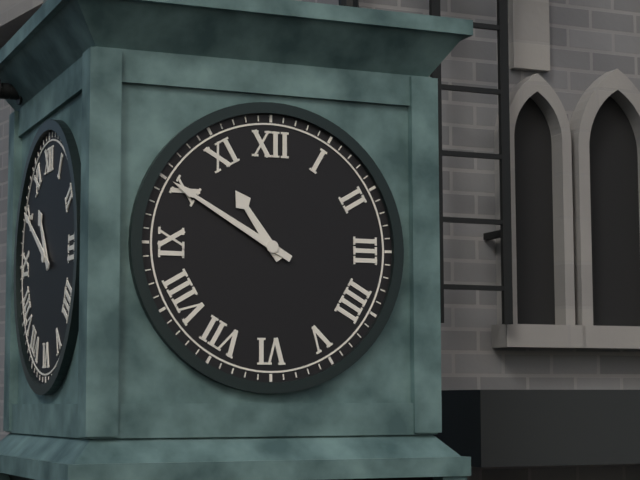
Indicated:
10 h 50 min
